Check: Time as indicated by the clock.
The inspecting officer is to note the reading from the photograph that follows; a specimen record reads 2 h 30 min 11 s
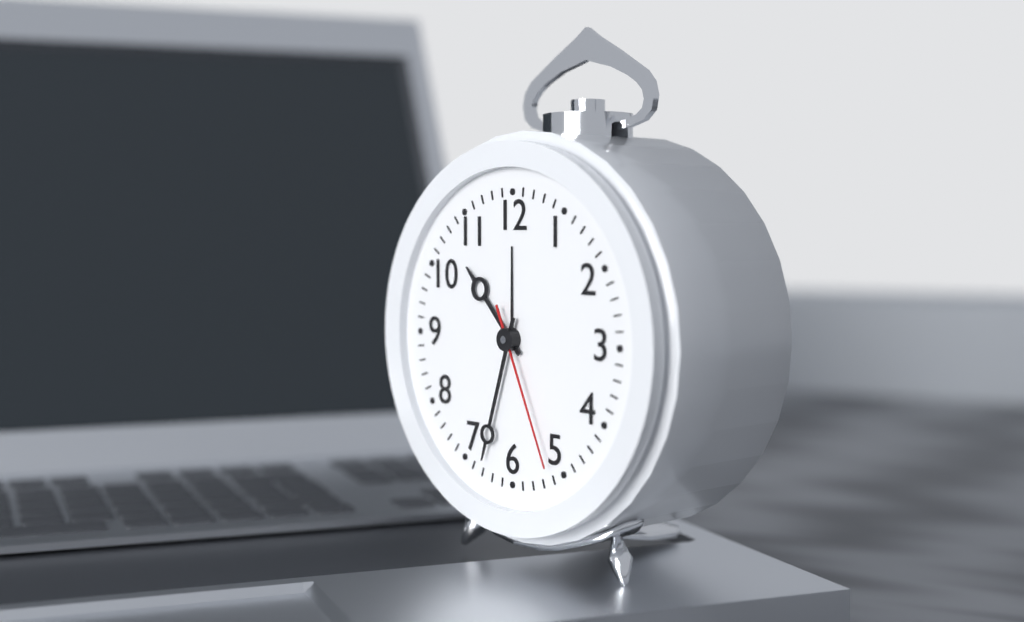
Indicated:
10 h 33 min 26 s
